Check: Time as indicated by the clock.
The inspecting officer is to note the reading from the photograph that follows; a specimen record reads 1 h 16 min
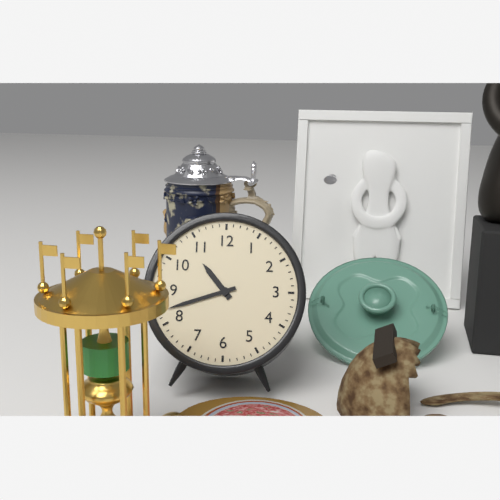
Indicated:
10 h 42 min
